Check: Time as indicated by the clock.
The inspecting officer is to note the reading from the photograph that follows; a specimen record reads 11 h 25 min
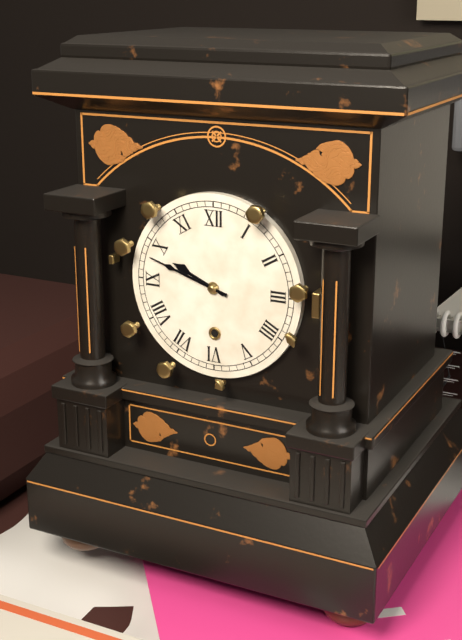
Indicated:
9 h 48 min
